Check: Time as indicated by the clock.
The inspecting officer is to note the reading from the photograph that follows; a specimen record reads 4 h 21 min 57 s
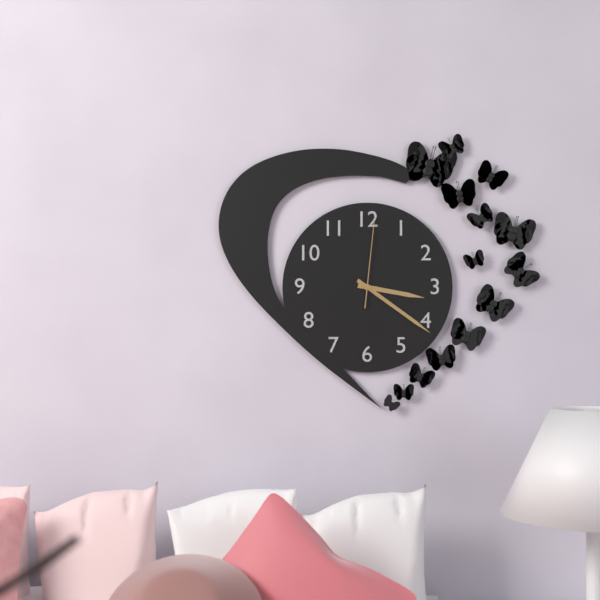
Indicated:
3 h 21 min 01 s
